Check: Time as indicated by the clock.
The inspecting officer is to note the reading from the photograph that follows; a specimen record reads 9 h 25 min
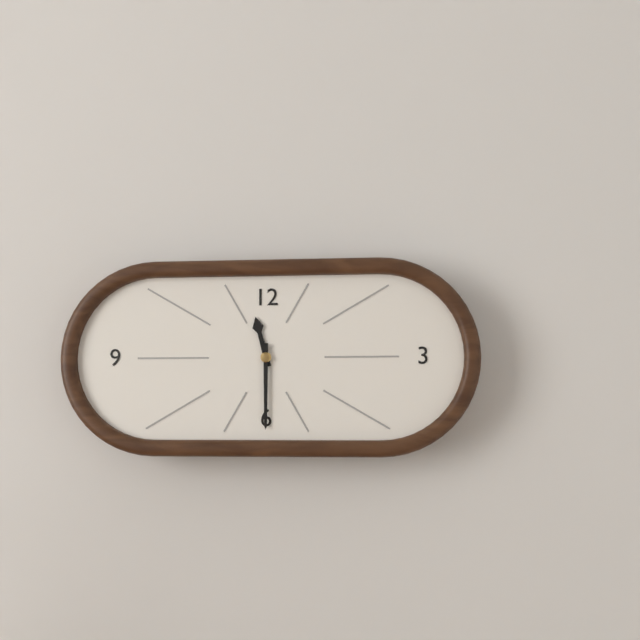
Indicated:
11 h 30 min
